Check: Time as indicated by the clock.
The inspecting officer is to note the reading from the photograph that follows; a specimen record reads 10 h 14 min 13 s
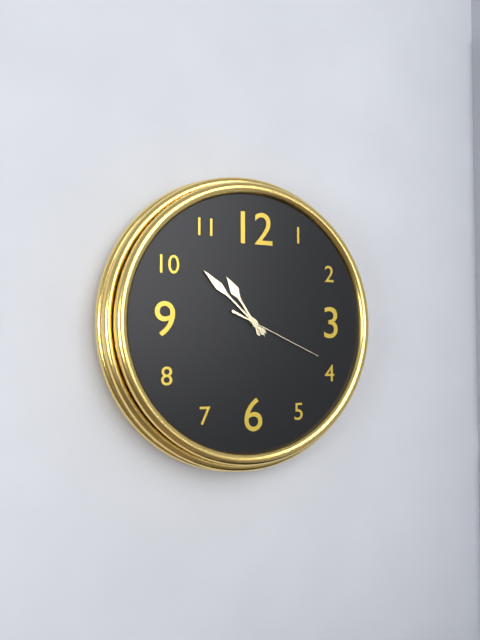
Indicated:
10 h 52 min 19 s
